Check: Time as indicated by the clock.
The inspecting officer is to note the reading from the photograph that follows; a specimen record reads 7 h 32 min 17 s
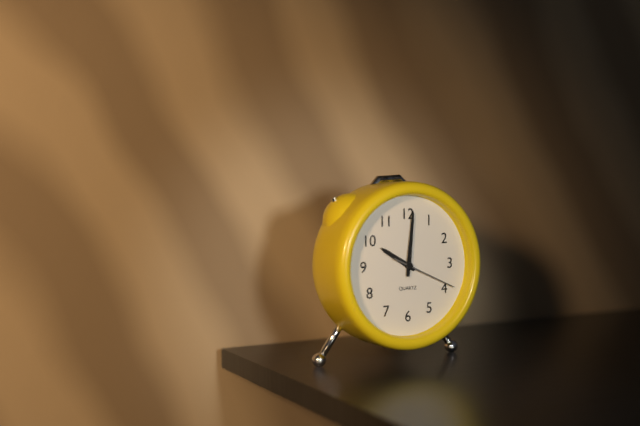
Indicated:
10 h 01 min 19 s
